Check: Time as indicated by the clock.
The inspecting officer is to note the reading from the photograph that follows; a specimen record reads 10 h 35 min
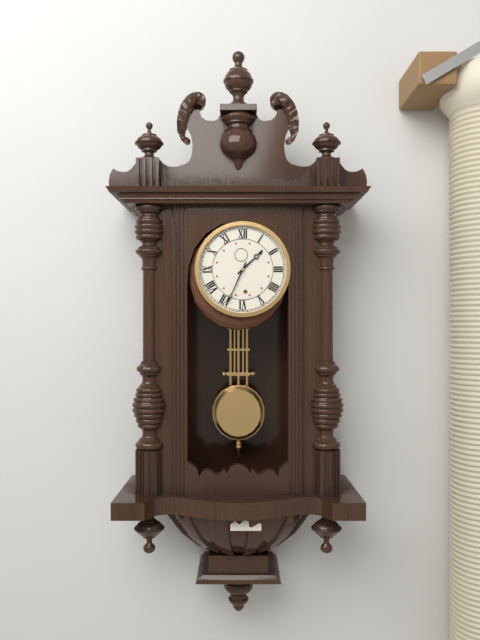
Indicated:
1 h 34 min
